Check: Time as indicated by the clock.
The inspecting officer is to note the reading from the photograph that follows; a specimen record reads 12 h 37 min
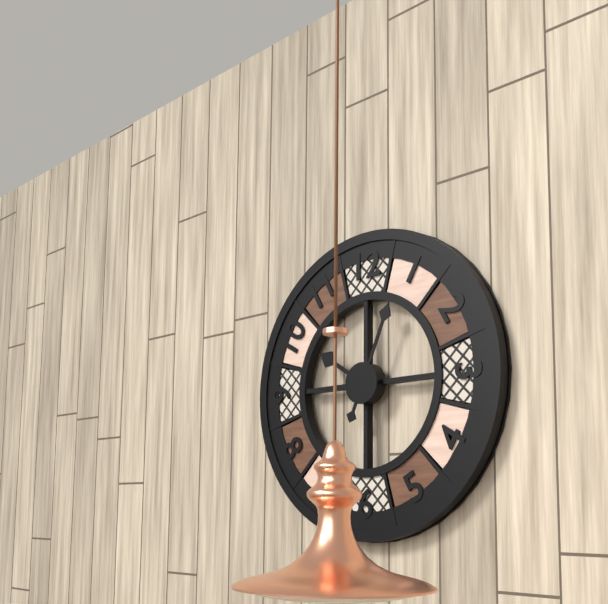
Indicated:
10 h 04 min
